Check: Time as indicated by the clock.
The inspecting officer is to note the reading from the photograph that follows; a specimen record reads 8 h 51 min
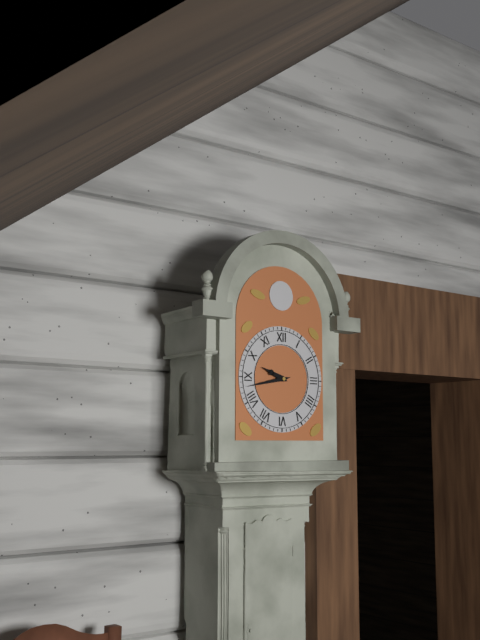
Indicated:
9 h 43 min
